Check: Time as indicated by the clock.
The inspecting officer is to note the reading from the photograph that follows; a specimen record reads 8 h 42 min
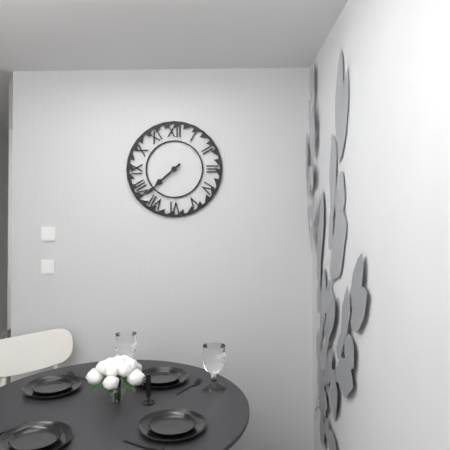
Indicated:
7 h 38 min
